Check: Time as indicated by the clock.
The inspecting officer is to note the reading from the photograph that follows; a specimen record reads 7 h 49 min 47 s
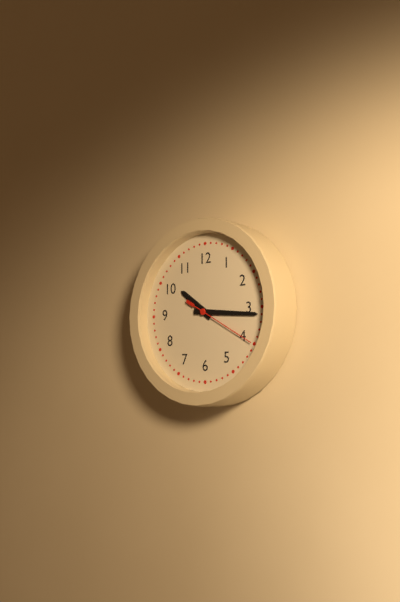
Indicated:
10 h 16 min 20 s
